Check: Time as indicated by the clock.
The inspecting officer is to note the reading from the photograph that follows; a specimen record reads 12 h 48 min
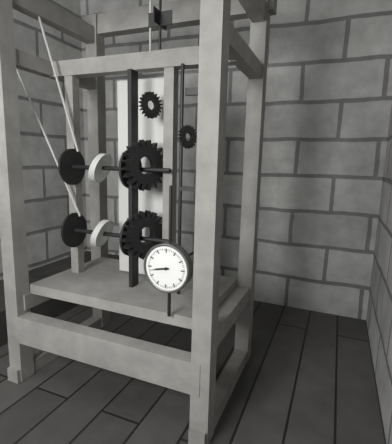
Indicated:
8 h 43 min
